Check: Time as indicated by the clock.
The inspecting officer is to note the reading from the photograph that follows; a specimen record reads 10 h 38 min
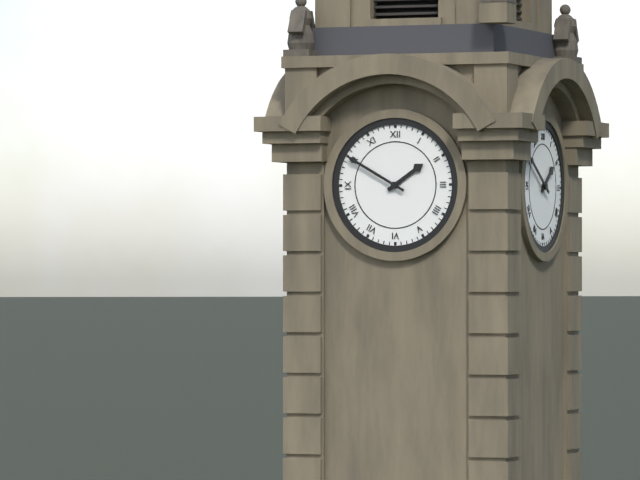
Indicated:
1 h 50 min
